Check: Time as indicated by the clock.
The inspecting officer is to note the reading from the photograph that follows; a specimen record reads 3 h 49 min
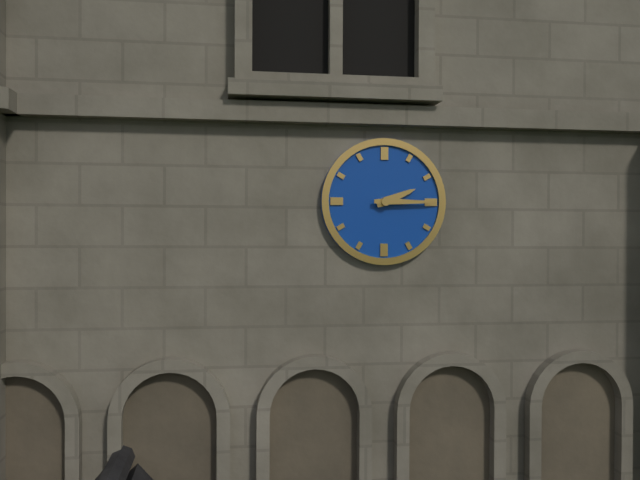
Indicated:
2 h 15 min
